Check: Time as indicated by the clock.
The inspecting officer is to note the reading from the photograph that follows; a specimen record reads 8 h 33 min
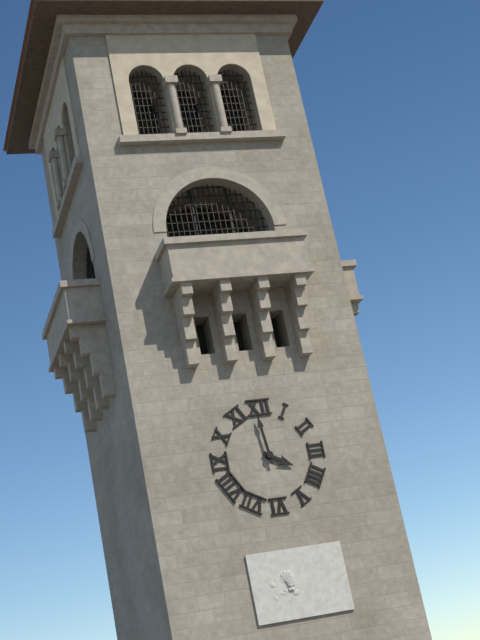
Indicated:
3 h 59 min
